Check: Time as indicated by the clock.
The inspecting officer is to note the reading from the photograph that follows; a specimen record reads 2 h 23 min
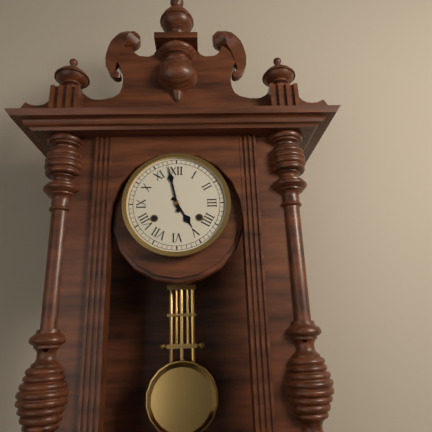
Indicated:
4 h 58 min
